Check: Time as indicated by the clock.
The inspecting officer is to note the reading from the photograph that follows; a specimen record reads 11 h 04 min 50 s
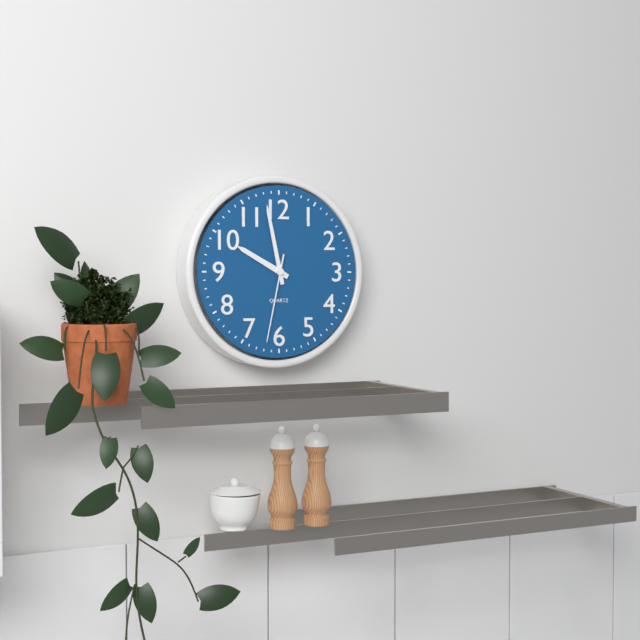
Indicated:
9 h 58 min 32 s
